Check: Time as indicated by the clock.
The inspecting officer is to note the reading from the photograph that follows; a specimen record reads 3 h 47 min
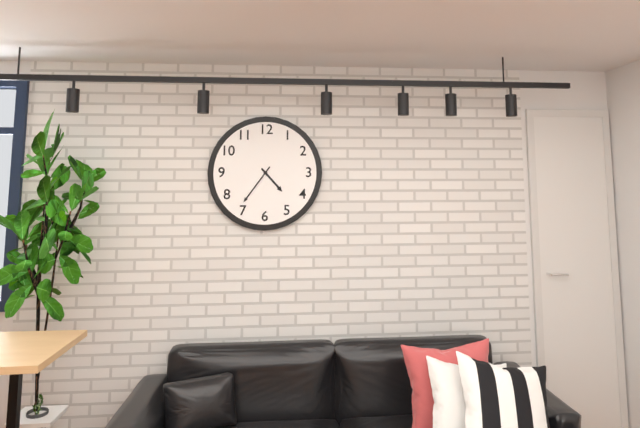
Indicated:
4 h 36 min
